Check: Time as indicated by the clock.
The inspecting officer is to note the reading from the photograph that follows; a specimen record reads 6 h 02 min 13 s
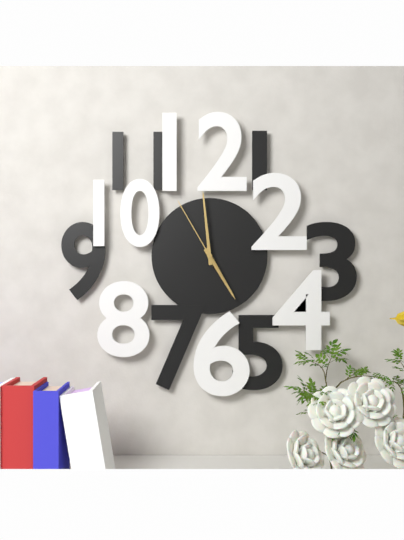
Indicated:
4 h 59 min 55 s
